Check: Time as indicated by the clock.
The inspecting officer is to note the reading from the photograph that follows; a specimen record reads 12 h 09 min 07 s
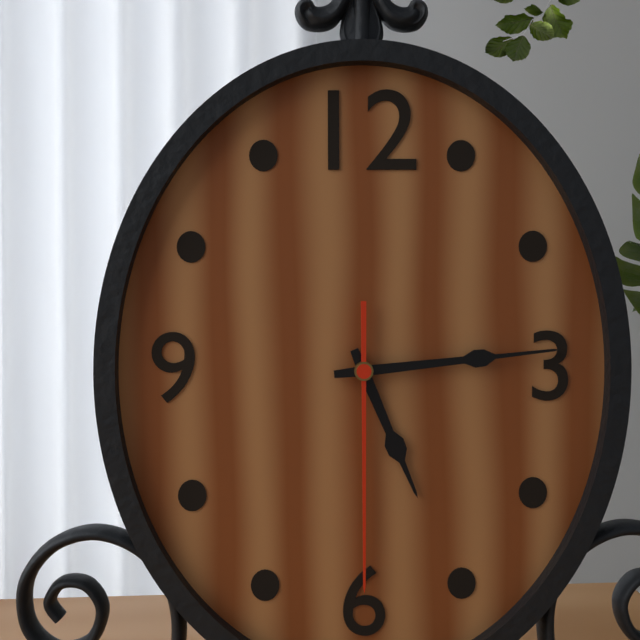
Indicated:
5 h 14 min 30 s
